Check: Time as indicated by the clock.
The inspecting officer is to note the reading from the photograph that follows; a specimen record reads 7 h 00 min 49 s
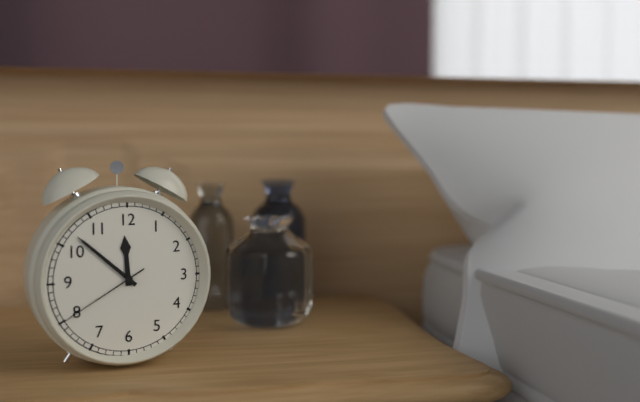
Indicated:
11 h 52 min 40 s
